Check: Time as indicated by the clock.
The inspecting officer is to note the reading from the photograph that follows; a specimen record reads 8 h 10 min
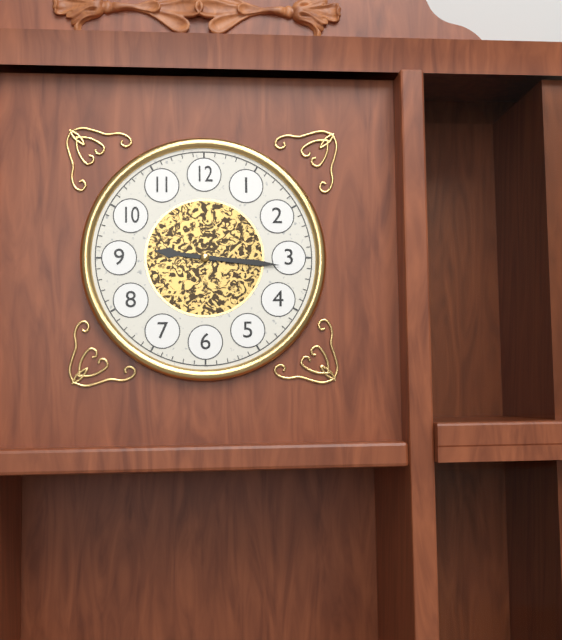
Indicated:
9 h 16 min
